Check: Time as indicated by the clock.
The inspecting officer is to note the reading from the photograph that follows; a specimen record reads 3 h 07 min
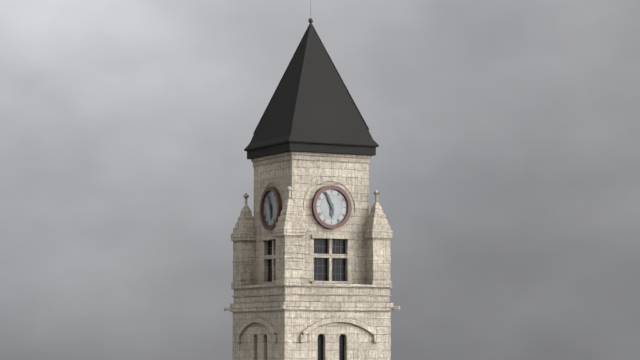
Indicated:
5 h 56 min
